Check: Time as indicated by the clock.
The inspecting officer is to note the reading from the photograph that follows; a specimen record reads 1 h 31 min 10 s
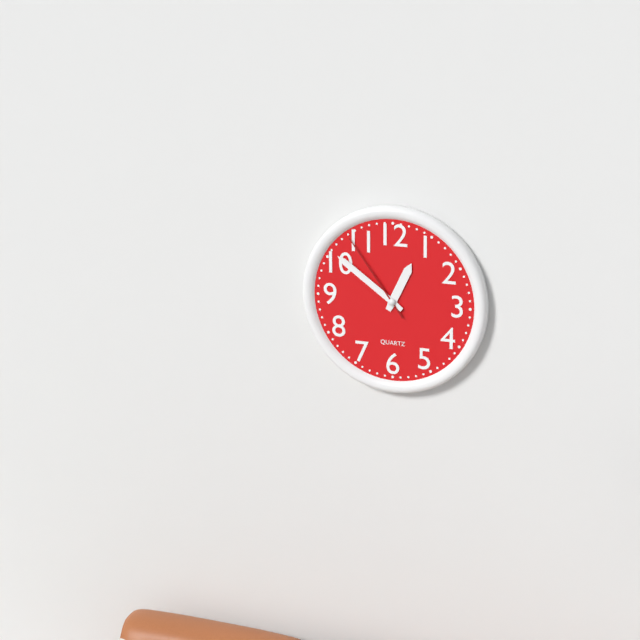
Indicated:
12 h 51 min 54 s
